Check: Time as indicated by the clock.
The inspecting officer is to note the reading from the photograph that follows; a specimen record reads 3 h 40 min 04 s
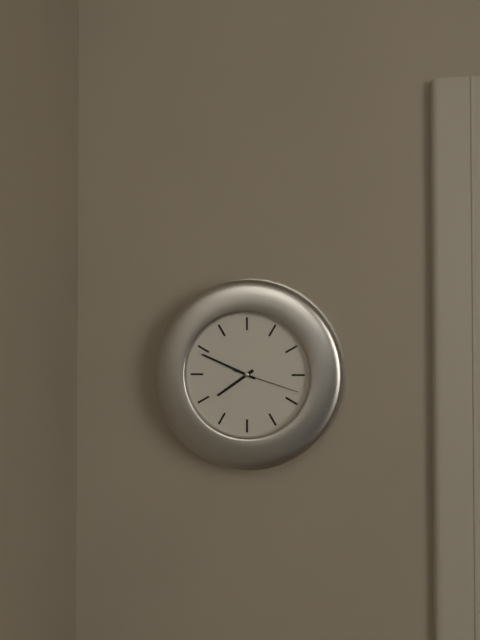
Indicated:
7 h 49 min 18 s
